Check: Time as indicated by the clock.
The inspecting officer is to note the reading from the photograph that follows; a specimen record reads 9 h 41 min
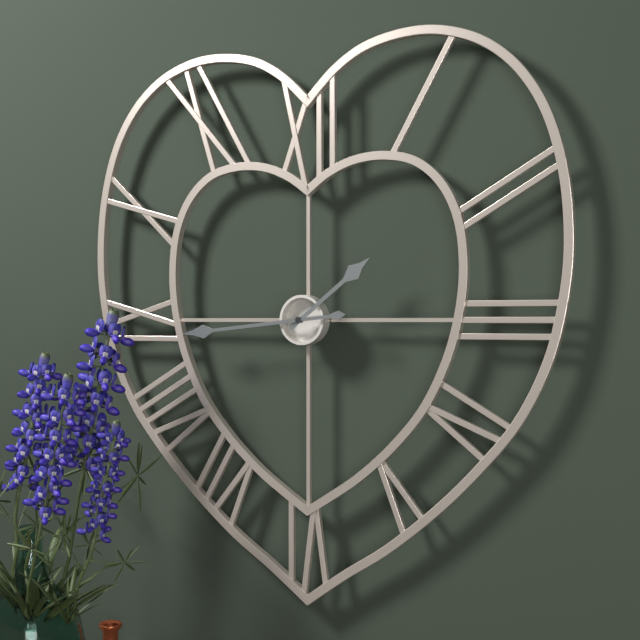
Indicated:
1 h 44 min
